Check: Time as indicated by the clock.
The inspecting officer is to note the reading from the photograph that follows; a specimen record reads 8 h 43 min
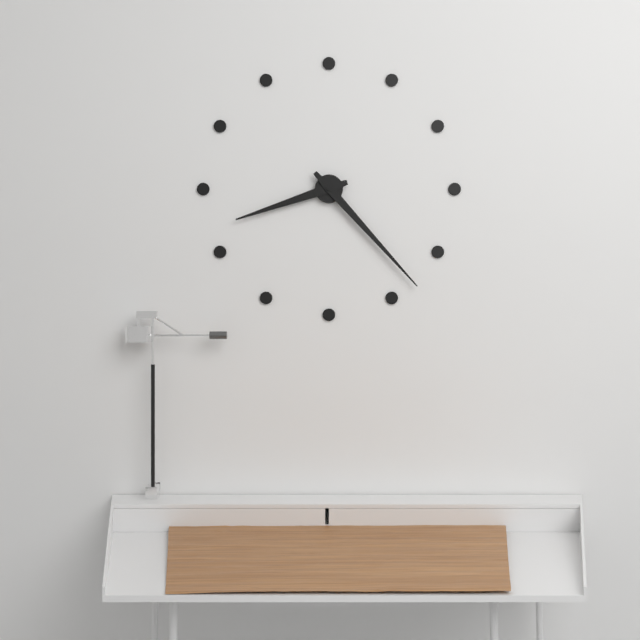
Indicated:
8 h 23 min
